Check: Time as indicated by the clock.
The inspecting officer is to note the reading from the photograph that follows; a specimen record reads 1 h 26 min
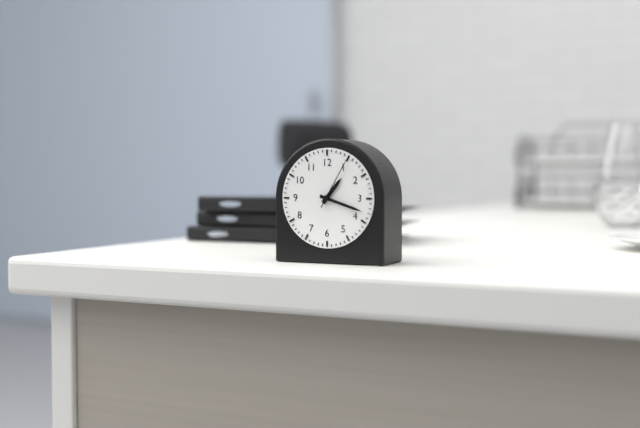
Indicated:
1 h 18 min
